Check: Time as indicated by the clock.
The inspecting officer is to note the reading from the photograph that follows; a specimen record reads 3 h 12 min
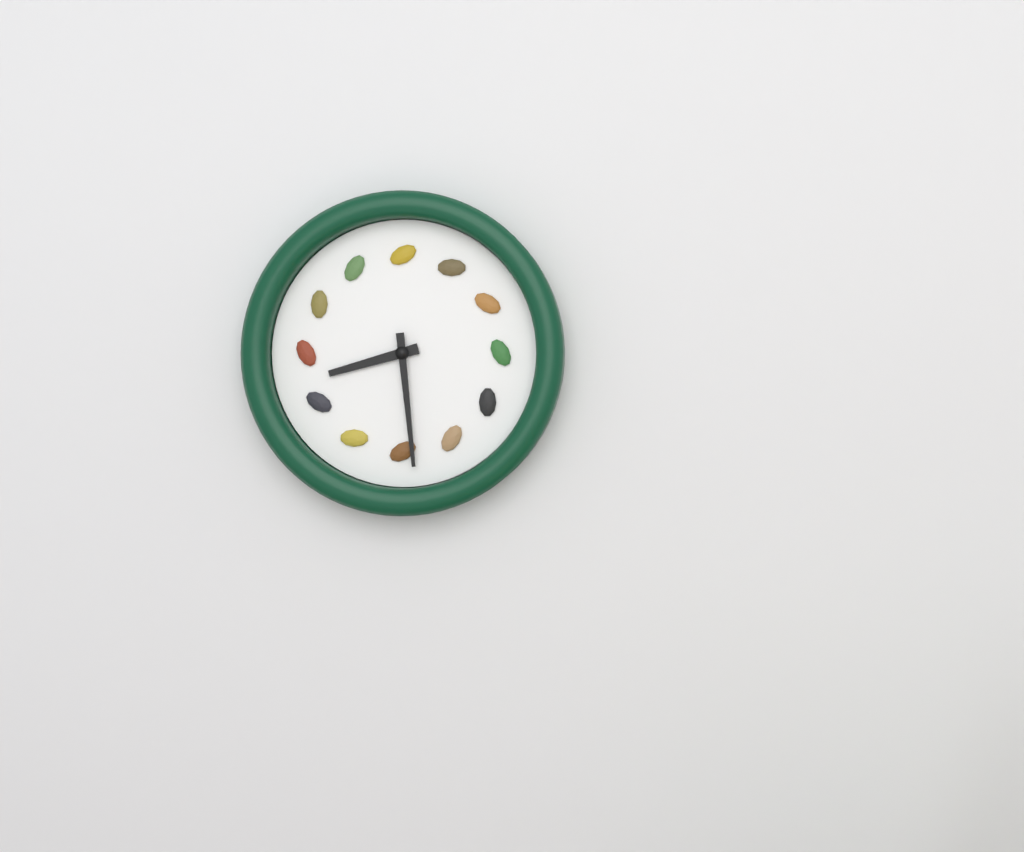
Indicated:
8 h 29 min
